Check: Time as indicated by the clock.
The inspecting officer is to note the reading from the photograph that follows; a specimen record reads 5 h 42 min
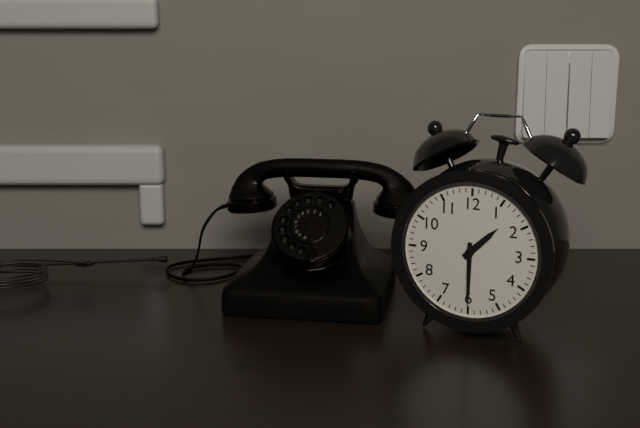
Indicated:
1 h 30 min
